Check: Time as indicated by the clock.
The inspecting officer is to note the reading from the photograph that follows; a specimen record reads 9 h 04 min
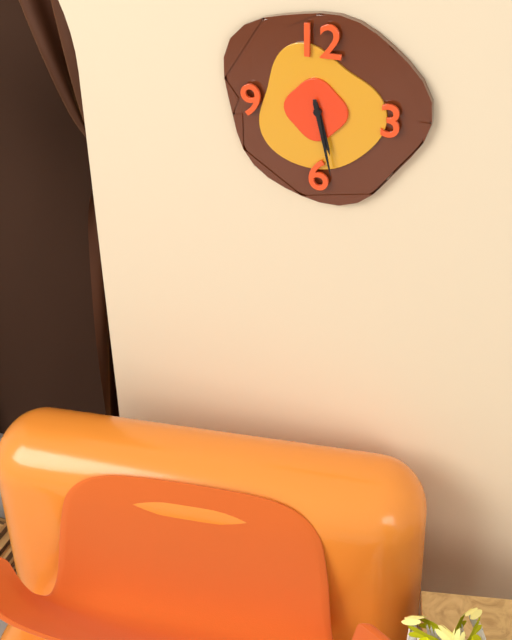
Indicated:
5 h 28 min
